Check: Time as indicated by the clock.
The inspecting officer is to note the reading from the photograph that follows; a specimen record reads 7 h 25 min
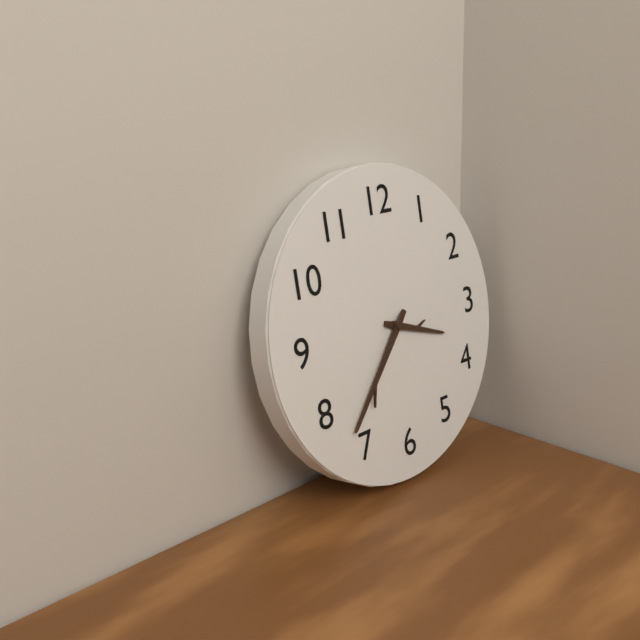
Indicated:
3 h 37 min
